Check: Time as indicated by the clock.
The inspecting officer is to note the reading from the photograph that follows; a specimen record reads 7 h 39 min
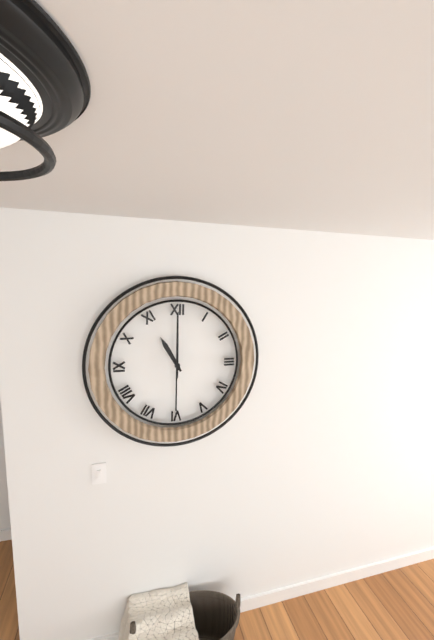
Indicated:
11 h 00 min
